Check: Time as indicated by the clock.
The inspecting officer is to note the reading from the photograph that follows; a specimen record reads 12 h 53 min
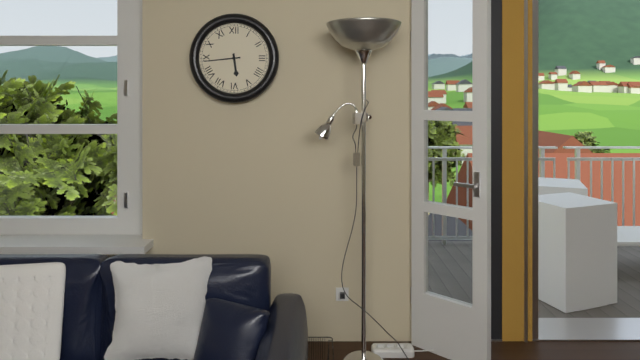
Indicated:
5 h 44 min
